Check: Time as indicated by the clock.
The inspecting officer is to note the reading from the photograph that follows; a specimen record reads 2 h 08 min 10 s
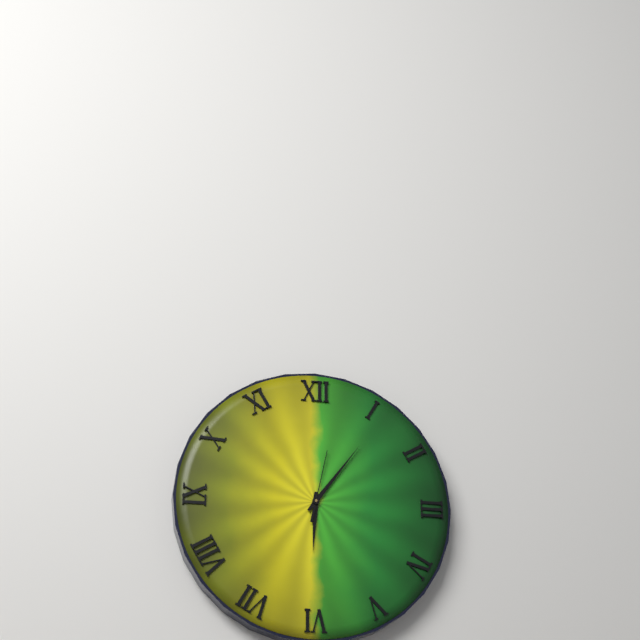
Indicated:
6 h 06 min 02 s
